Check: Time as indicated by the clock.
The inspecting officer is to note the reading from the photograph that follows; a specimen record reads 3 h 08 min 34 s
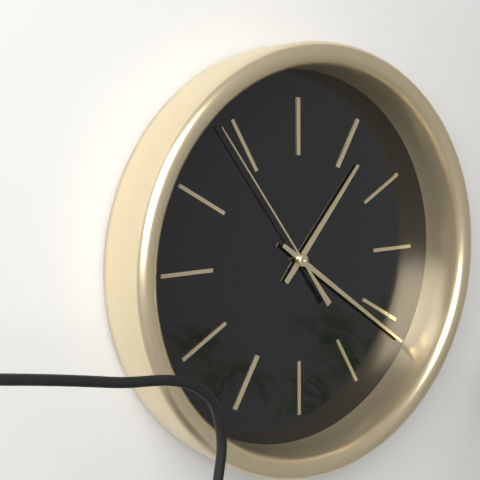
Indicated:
1 h 21 min 54 s
